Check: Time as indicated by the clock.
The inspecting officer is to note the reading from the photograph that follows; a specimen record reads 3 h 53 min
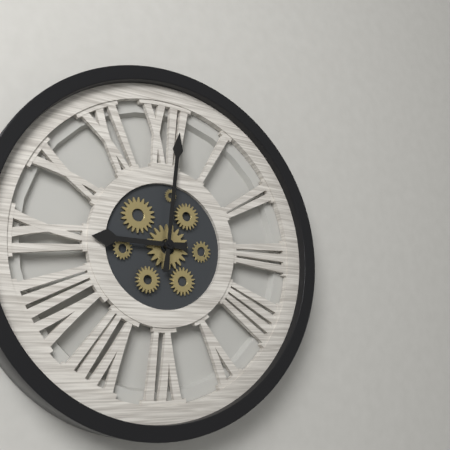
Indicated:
9 h 01 min
